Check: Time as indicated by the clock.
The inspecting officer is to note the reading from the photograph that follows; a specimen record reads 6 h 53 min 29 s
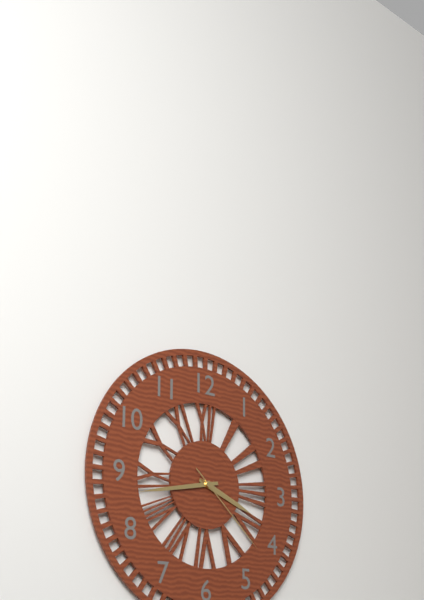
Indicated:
3 h 43 min 22 s
